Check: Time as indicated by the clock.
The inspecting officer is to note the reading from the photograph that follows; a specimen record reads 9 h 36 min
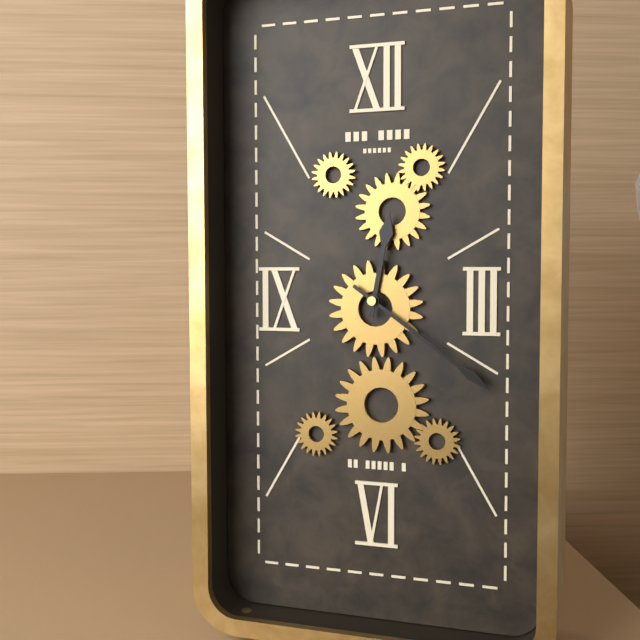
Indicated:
12 h 21 min
